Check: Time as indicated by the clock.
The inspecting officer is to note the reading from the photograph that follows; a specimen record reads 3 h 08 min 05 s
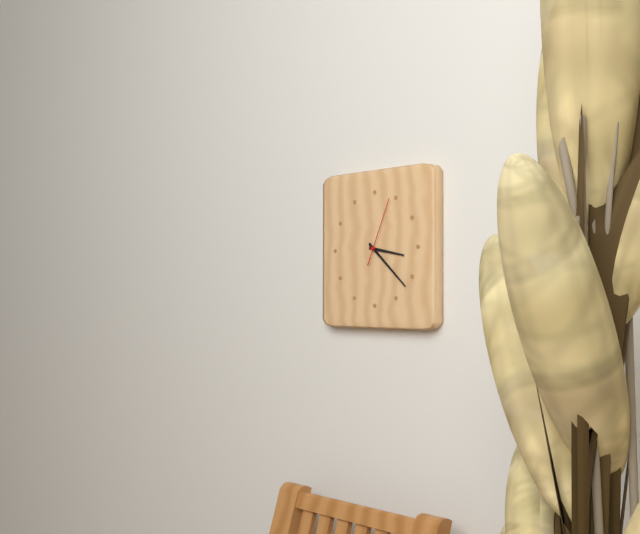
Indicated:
3 h 22 min 04 s
